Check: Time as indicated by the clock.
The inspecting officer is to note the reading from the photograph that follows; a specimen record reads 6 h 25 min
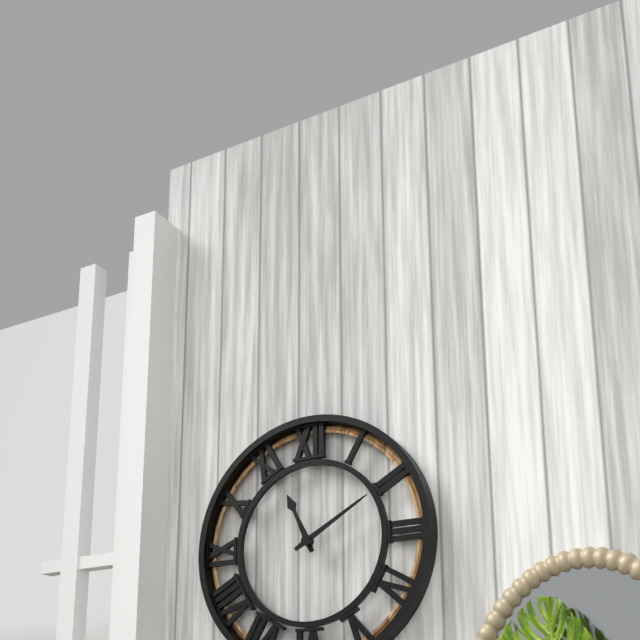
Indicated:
11 h 10 min
